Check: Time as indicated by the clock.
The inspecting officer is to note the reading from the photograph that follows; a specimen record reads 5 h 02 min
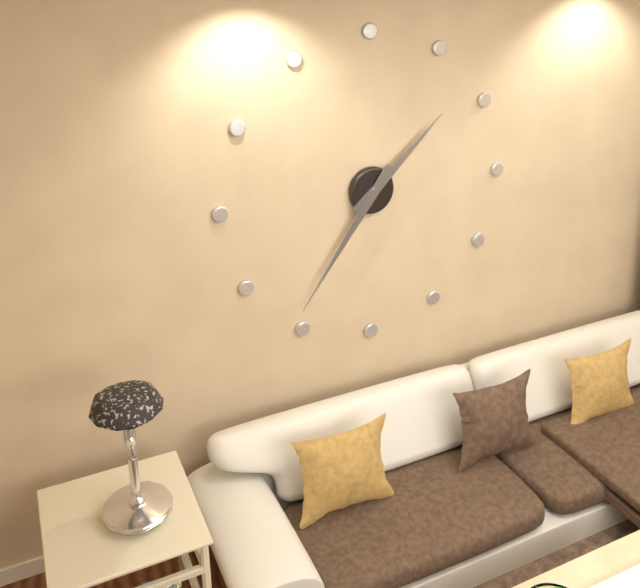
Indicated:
1 h 36 min
